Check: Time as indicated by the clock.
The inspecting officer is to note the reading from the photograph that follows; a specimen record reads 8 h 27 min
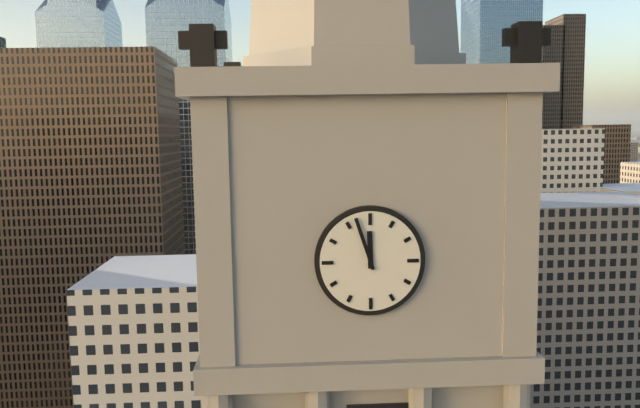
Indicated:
11 h 57 min
